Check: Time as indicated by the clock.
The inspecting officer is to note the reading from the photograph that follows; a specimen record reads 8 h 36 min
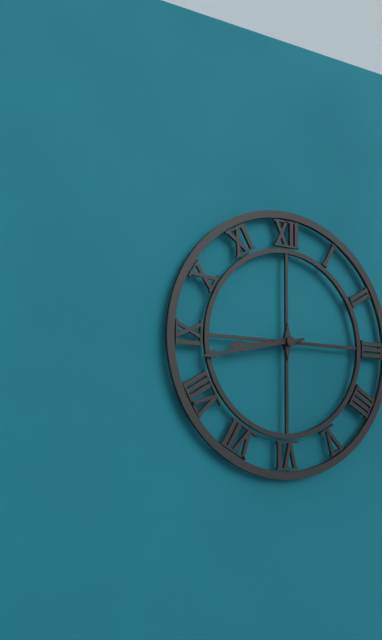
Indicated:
8 h 43 min
